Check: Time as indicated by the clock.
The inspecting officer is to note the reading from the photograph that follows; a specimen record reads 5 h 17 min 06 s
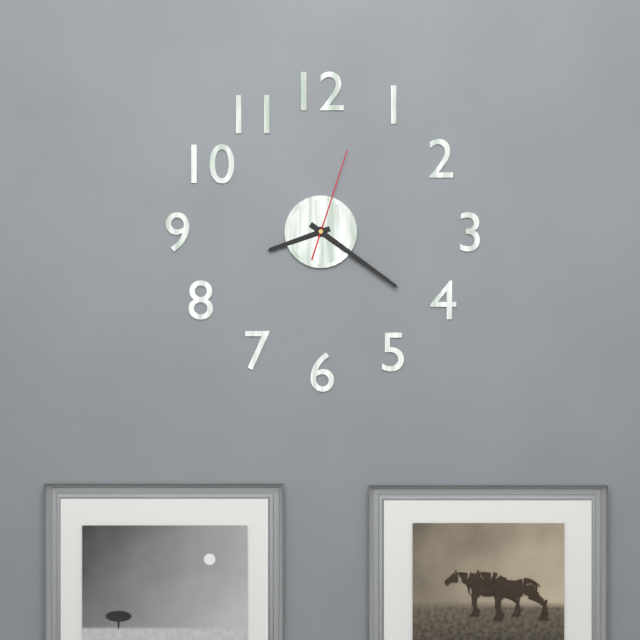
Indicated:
8 h 21 min 03 s
